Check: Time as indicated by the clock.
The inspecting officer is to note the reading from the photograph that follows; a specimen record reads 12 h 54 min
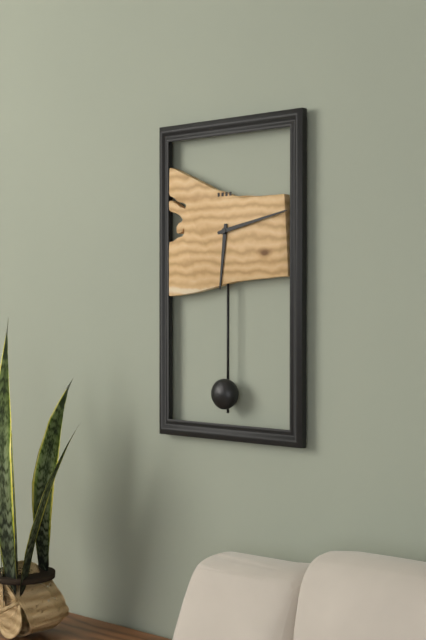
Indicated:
6 h 13 min
